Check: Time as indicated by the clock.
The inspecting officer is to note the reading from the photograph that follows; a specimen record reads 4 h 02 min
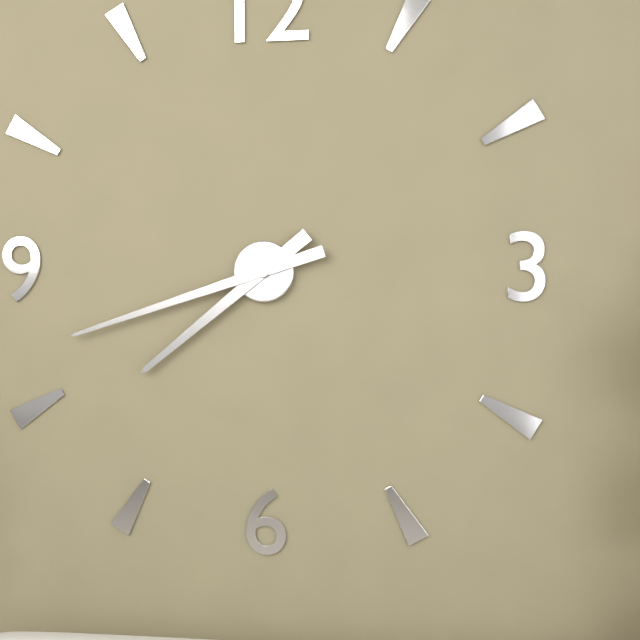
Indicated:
7 h 42 min
